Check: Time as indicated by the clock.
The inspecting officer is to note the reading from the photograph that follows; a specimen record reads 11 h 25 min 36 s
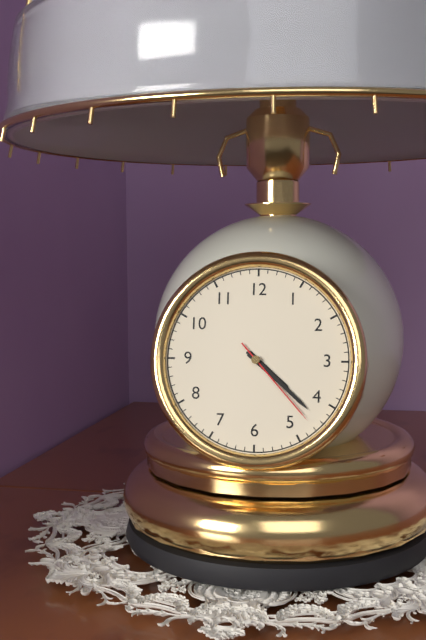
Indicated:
4 h 22 min 23 s
